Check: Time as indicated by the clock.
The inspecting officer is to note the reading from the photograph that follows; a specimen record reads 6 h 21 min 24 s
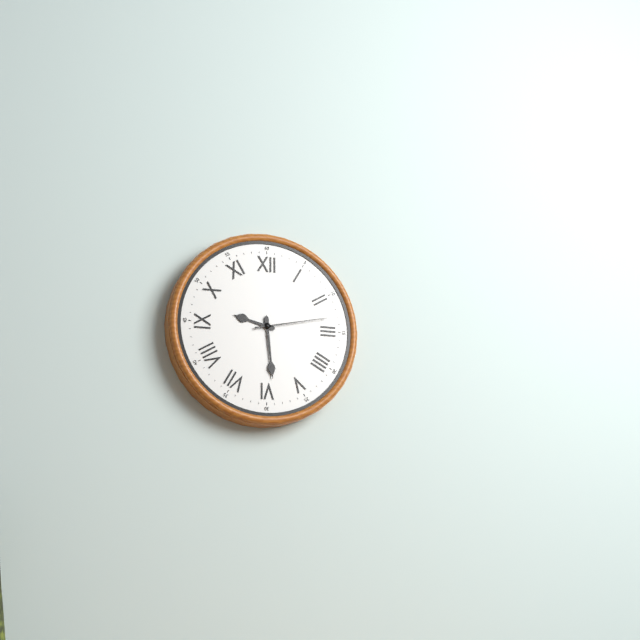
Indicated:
9 h 29 min 13 s
